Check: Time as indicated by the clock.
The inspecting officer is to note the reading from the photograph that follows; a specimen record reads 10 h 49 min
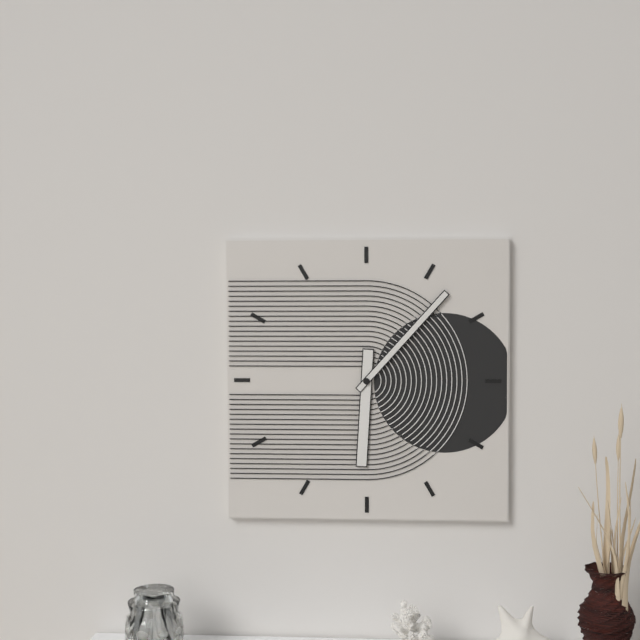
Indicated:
6 h 07 min
